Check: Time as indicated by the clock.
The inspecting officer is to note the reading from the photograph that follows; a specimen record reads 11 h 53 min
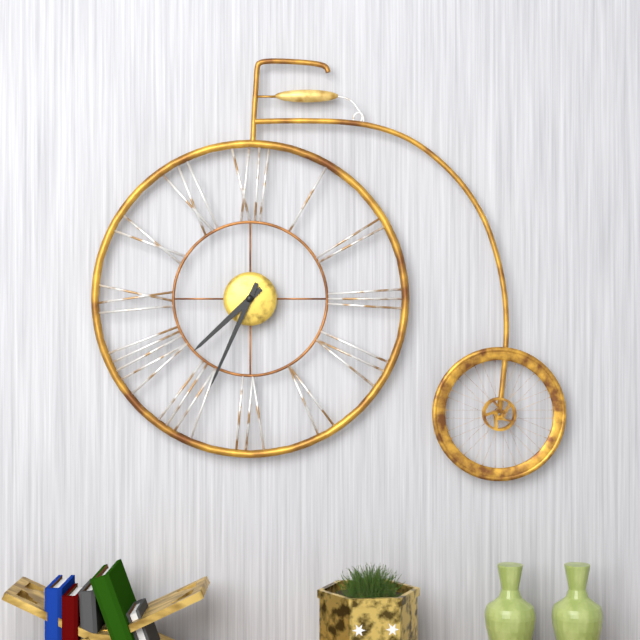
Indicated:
7 h 34 min
